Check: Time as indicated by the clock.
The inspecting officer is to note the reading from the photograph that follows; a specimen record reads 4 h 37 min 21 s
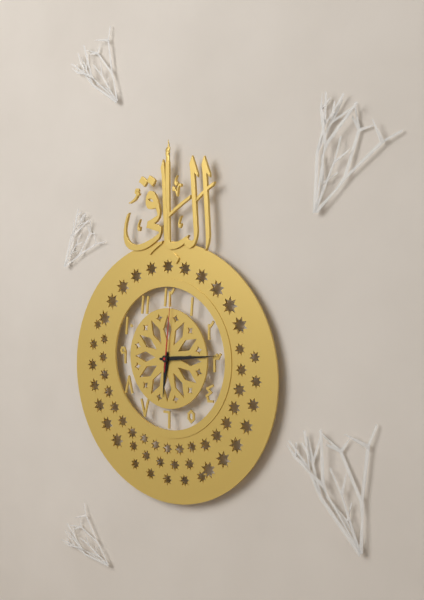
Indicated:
6 h 14 min 01 s
